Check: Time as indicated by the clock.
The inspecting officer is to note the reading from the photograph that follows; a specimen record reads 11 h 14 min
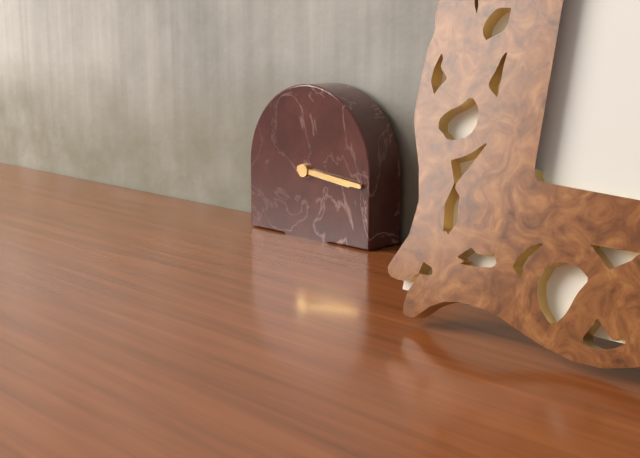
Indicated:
3 h 16 min
